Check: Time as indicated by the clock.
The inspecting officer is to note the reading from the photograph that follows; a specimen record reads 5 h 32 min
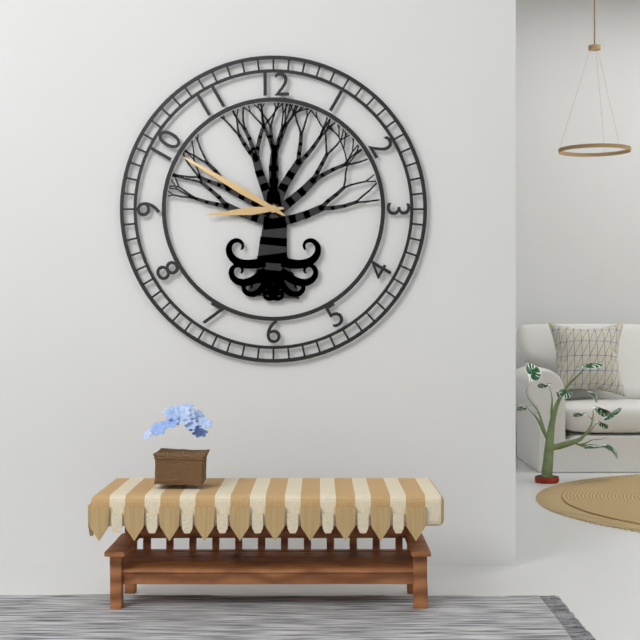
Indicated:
8 h 50 min
